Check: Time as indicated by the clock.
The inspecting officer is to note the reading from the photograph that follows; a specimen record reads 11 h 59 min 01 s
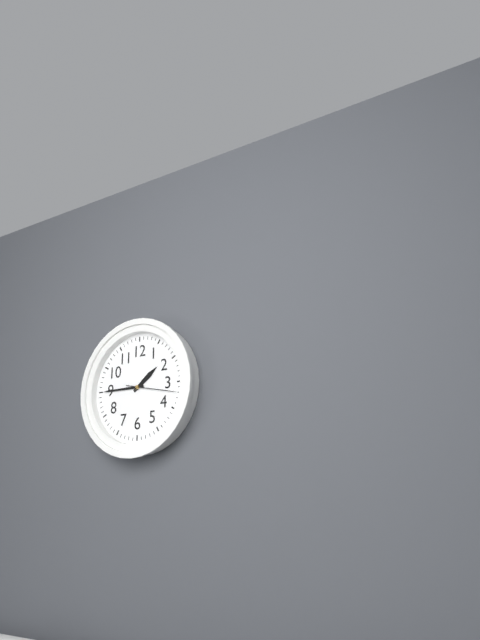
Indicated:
1 h 45 min 17 s
